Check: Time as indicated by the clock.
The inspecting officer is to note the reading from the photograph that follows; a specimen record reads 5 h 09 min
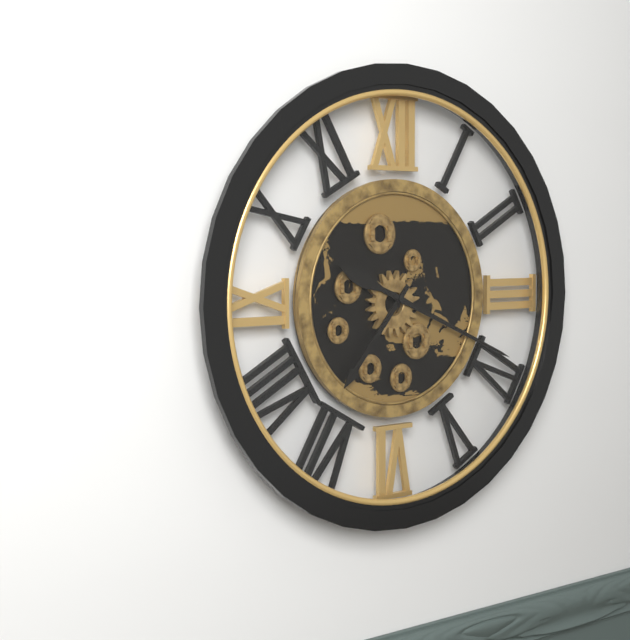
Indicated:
7 h 19 min
